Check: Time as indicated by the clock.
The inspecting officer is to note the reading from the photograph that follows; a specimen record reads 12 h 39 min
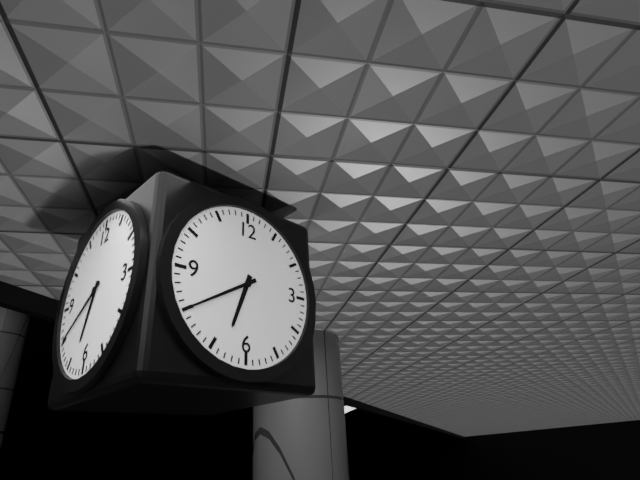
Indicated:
6 h 40 min
